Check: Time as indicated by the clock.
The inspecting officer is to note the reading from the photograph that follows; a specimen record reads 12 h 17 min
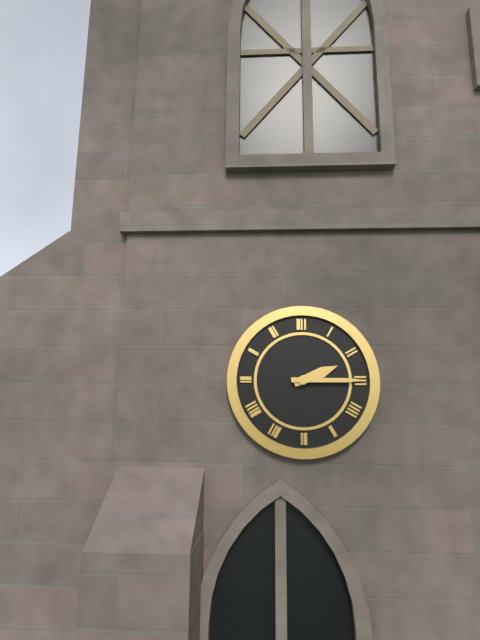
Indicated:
2 h 15 min
